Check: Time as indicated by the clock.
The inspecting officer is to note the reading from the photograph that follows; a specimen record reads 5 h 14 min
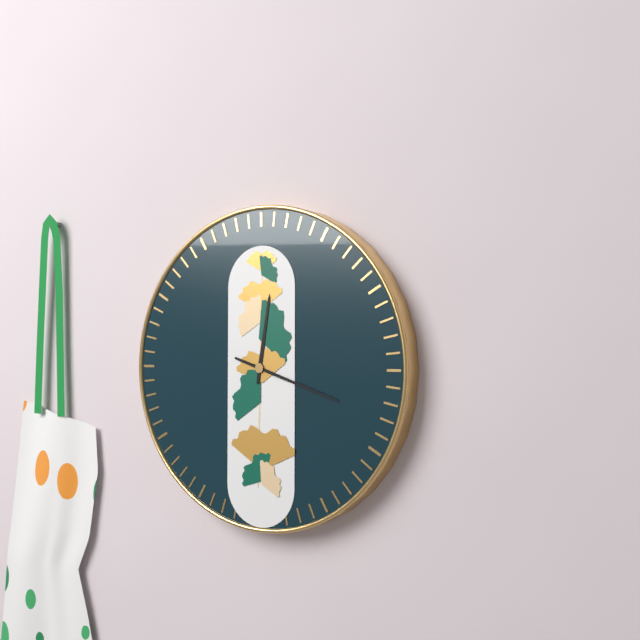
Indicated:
12 h 18 min
